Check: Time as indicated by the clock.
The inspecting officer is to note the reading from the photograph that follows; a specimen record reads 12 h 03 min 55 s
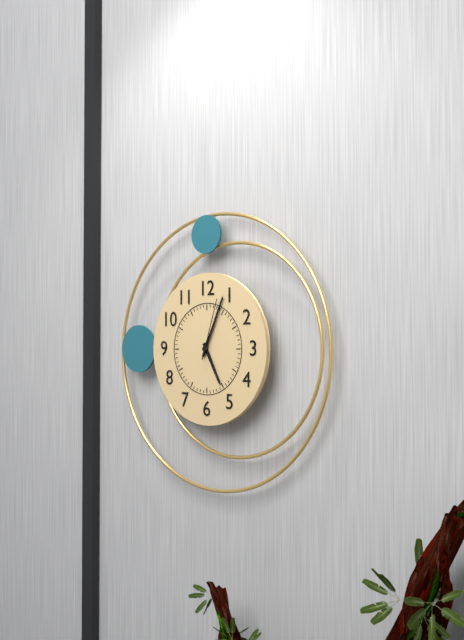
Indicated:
5 h 04 min 03 s
